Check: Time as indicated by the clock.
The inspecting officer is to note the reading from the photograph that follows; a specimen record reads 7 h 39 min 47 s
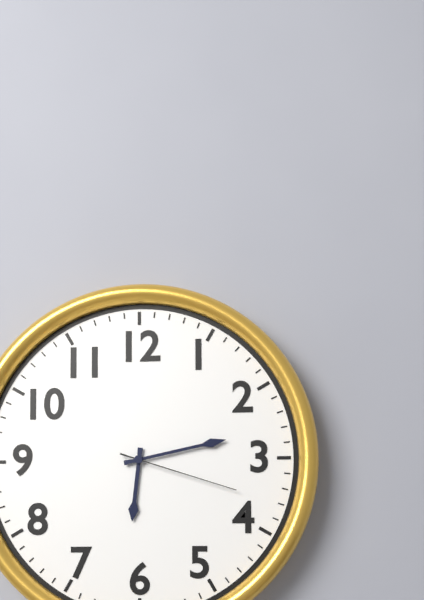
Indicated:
6 h 13 min 18 s
